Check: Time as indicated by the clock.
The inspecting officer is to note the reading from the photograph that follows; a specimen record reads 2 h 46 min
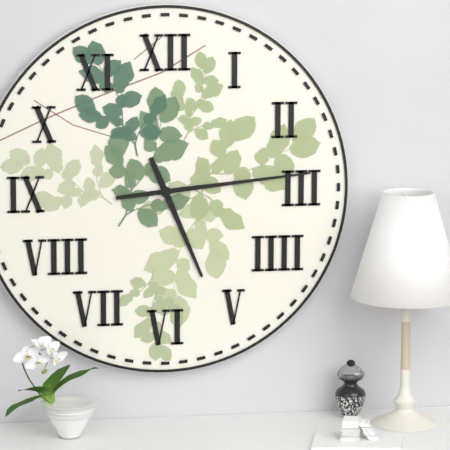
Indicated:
5 h 14 min
